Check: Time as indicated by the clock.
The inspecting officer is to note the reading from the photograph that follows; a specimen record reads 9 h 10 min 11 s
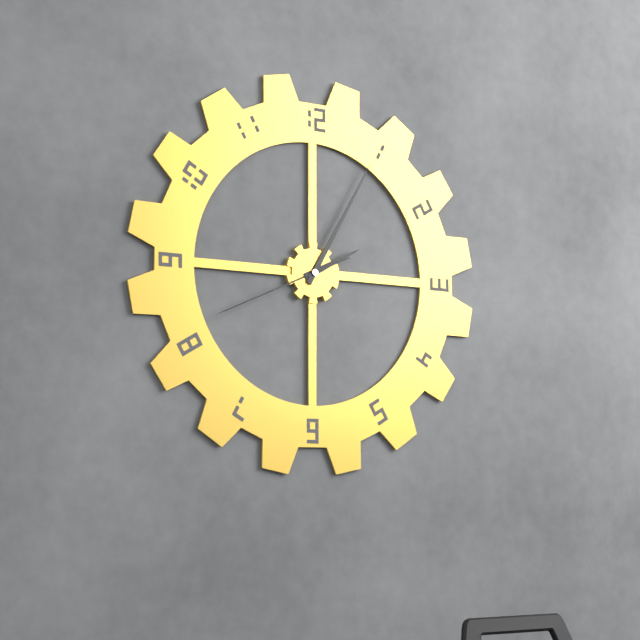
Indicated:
2 h 05 min 41 s
